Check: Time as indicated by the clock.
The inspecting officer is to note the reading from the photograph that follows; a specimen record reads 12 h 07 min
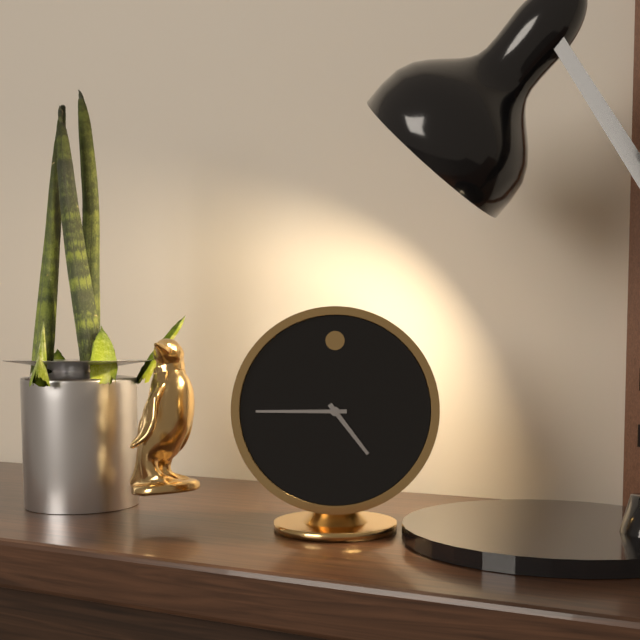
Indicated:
4 h 45 min
